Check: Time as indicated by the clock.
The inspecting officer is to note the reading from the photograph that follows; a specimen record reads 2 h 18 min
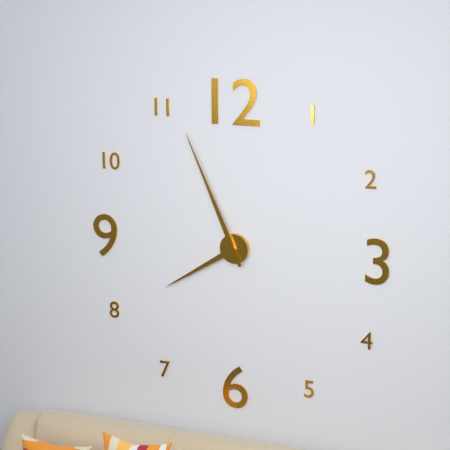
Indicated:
7 h 56 min
